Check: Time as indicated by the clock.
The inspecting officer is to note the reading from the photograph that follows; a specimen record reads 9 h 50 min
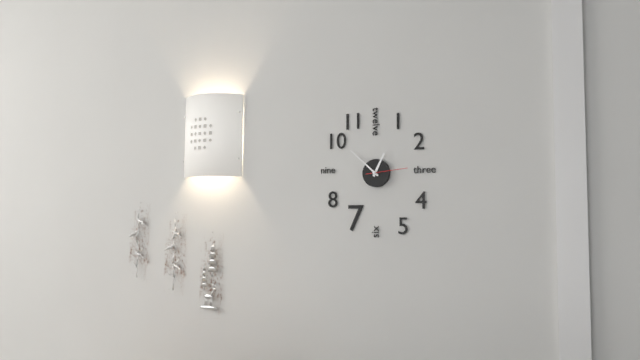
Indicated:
12 h 52 min
